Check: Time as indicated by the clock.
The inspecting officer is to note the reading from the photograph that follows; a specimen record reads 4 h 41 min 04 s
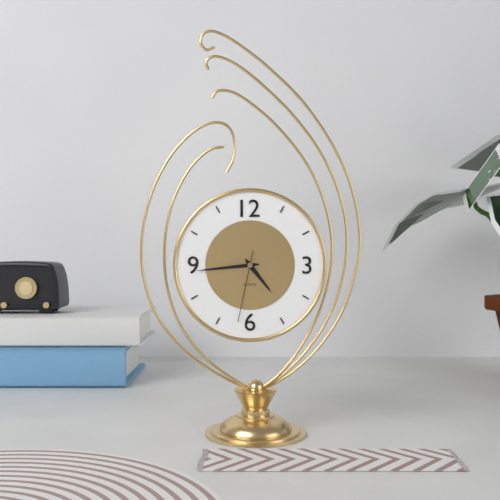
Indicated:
4 h 44 min 32 s
